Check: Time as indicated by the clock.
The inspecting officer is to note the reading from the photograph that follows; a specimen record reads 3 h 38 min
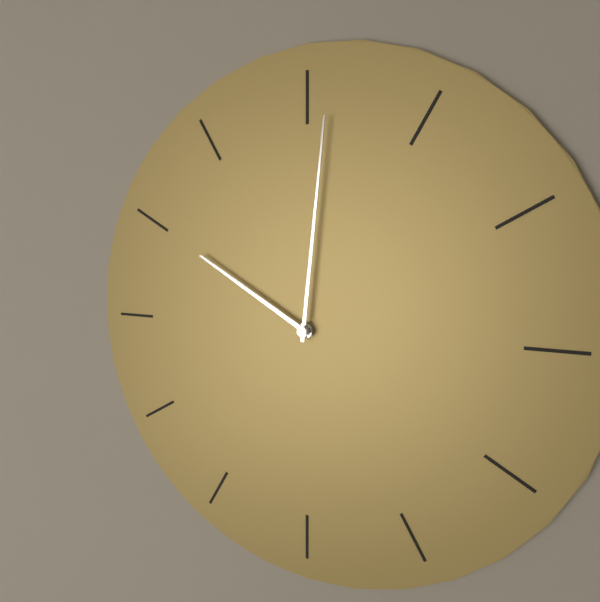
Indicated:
10 h 01 min
